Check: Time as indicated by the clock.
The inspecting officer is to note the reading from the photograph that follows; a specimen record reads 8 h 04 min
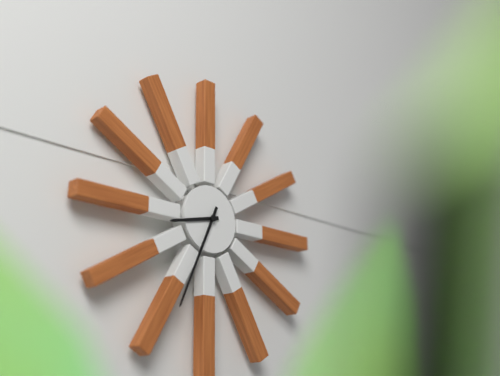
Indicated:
8 h 34 min
